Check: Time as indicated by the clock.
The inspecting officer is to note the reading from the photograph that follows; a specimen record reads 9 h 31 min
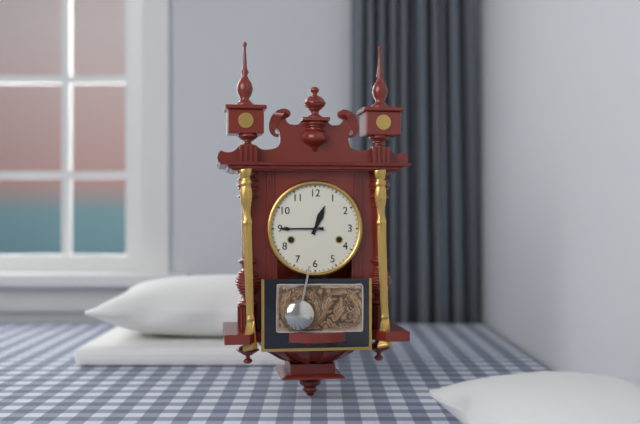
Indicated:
12 h 45 min
